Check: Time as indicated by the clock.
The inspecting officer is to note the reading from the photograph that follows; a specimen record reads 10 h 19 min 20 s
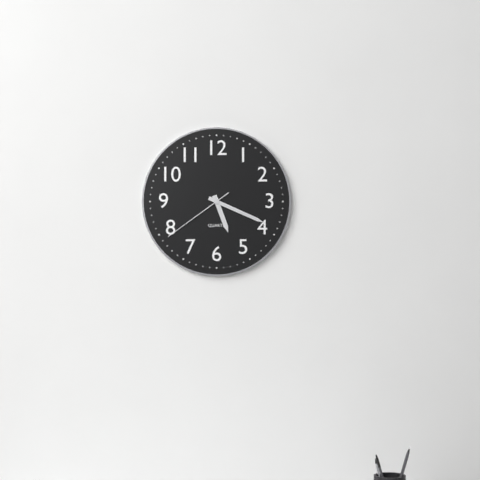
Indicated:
5 h 19 min 39 s
